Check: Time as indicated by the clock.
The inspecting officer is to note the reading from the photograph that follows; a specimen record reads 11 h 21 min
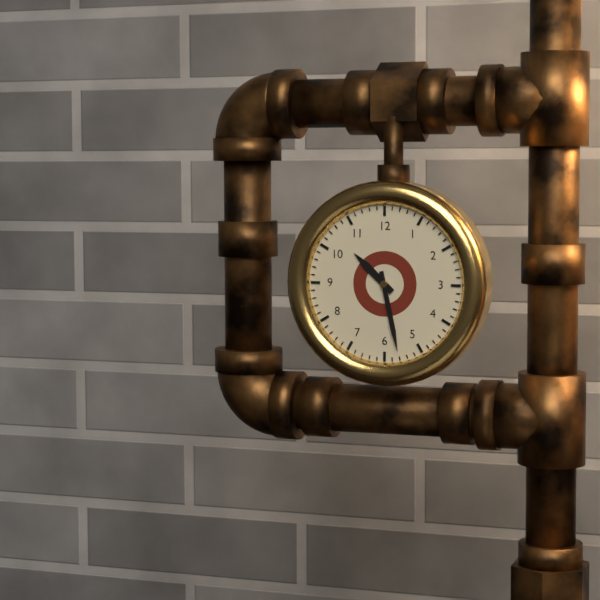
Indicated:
10 h 28 min
